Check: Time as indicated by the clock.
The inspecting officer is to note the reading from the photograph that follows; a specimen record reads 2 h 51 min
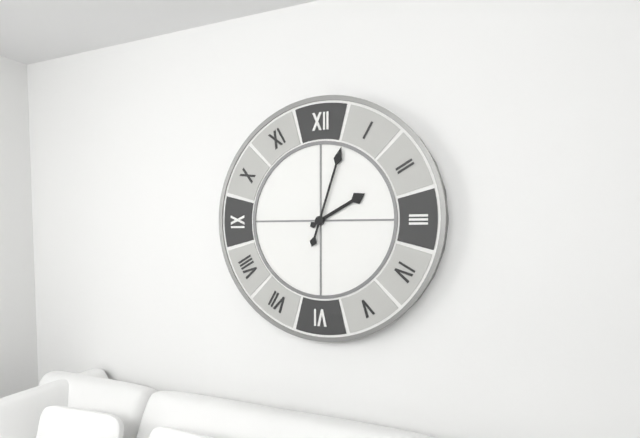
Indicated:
2 h 03 min
